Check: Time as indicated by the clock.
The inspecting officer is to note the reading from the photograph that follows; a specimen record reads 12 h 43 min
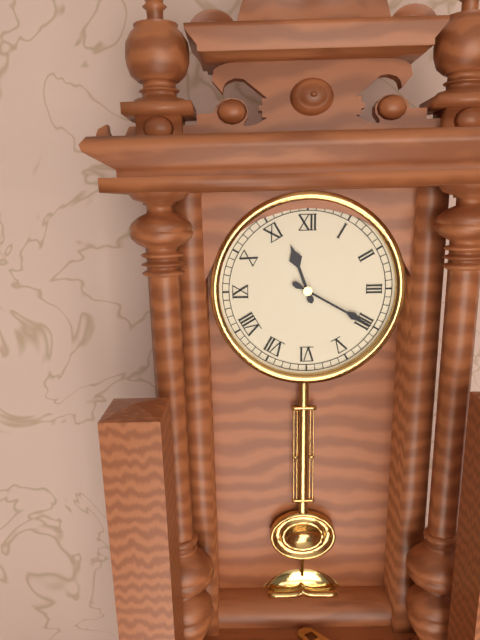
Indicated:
11 h 20 min
